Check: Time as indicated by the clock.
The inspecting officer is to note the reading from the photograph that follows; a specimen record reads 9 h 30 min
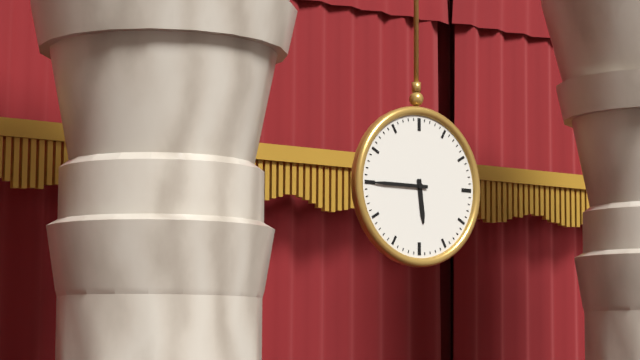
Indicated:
5 h 45 min
